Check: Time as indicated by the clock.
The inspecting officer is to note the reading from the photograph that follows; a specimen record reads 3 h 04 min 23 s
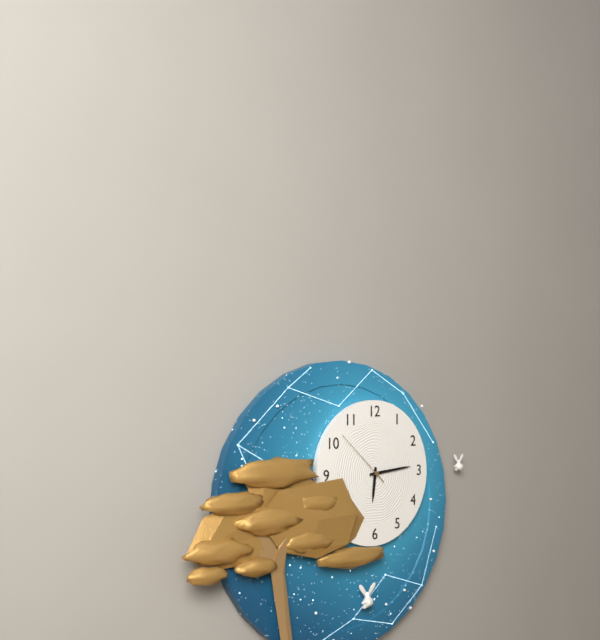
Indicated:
6 h 14 min 52 s
